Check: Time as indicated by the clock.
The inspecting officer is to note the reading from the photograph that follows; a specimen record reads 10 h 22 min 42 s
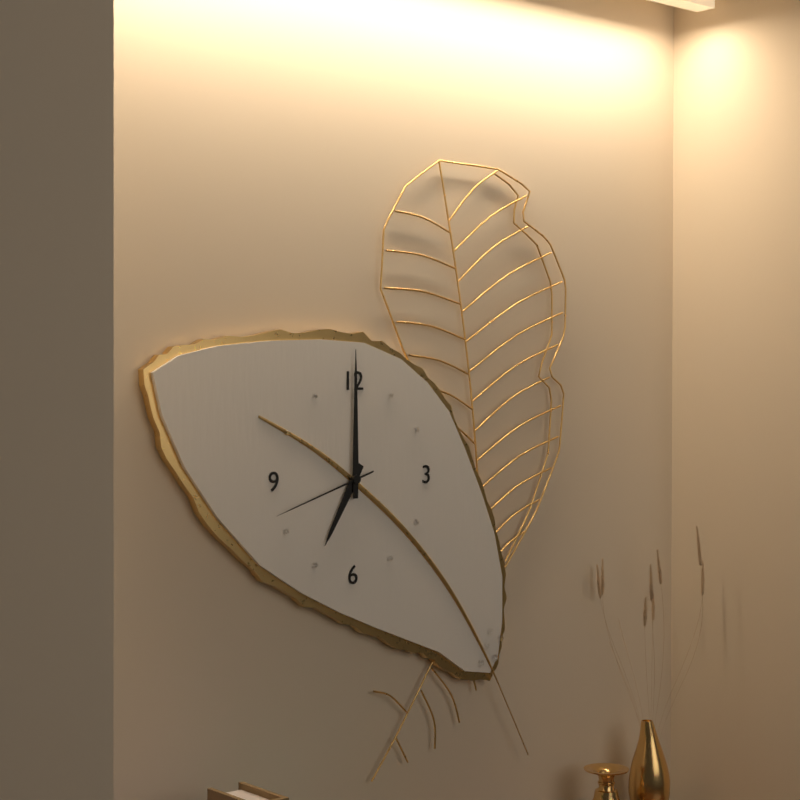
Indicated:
7 h 00 min 42 s
